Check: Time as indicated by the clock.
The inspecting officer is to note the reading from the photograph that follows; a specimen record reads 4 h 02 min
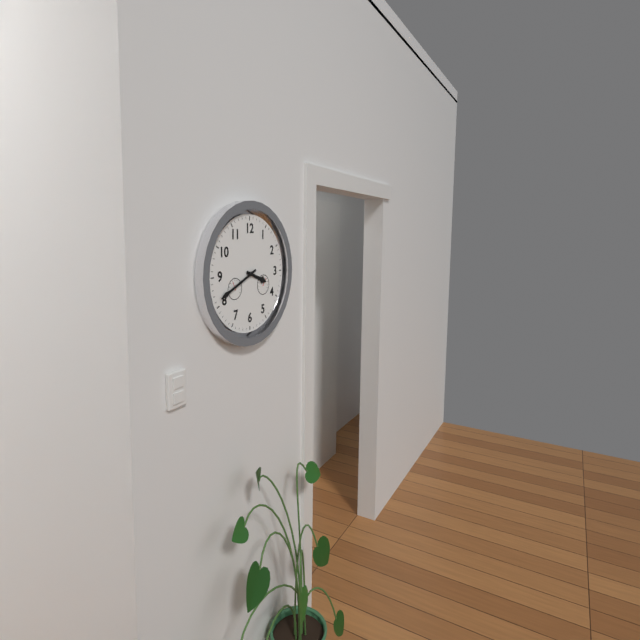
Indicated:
3 h 41 min
